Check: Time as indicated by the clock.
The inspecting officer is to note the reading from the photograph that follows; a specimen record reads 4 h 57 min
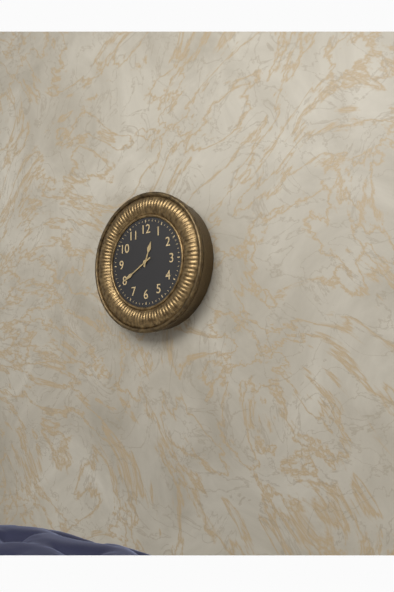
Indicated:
12 h 40 min
